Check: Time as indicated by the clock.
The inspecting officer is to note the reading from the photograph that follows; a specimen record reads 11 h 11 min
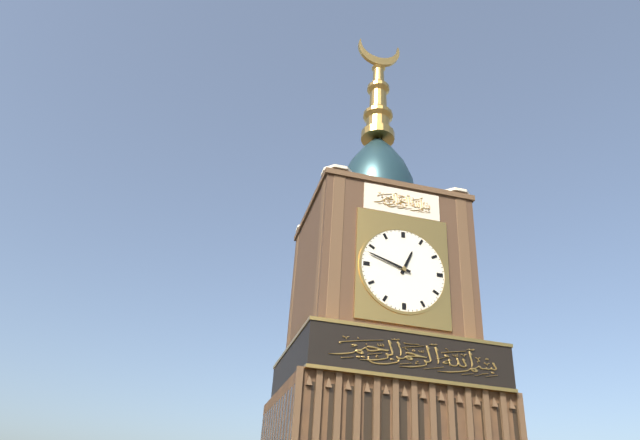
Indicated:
12 h 48 min
